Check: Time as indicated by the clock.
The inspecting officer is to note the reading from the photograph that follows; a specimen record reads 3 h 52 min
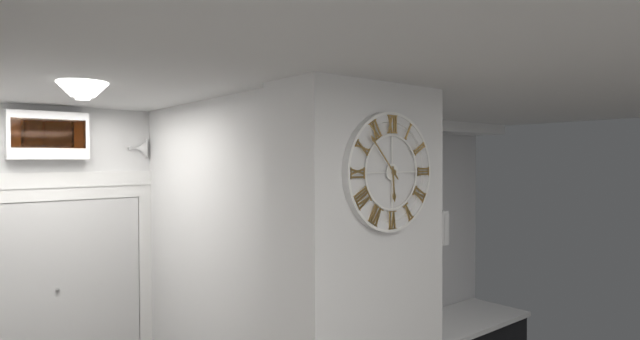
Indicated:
5 h 53 min
